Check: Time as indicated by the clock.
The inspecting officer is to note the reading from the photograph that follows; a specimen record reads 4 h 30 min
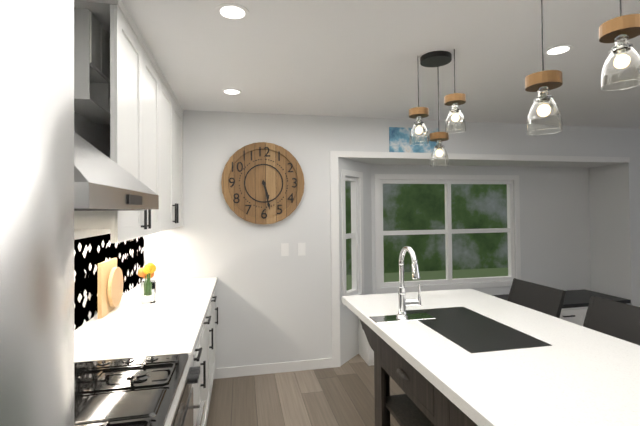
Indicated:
5 h 28 min
